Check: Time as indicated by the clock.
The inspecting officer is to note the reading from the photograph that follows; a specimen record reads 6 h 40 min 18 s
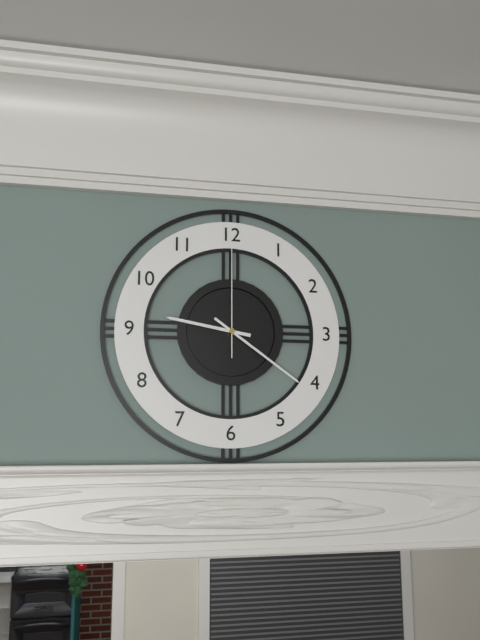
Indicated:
9 h 21 min 00 s
